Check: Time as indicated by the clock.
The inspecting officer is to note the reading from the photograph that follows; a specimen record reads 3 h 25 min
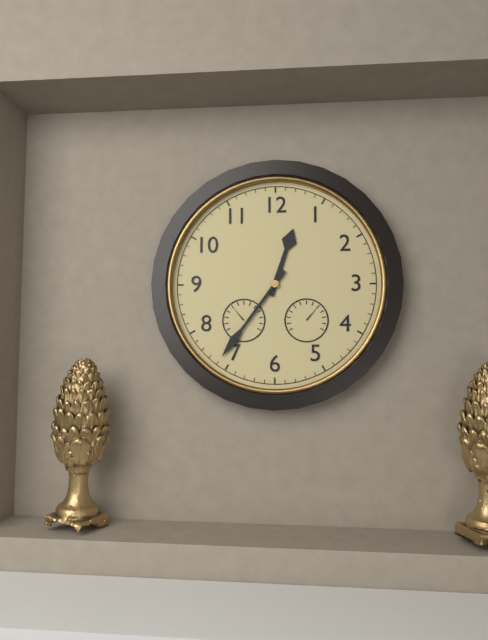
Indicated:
12 h 36 min
